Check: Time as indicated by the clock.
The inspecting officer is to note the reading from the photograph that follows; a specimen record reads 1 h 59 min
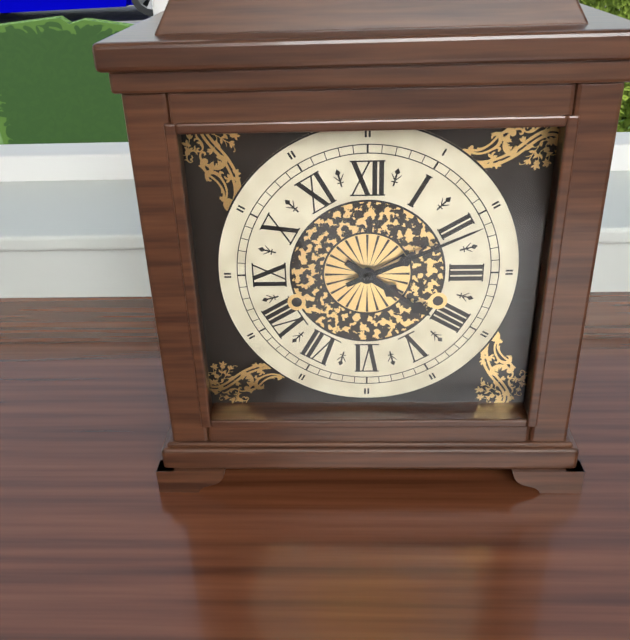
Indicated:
4 h 11 min
